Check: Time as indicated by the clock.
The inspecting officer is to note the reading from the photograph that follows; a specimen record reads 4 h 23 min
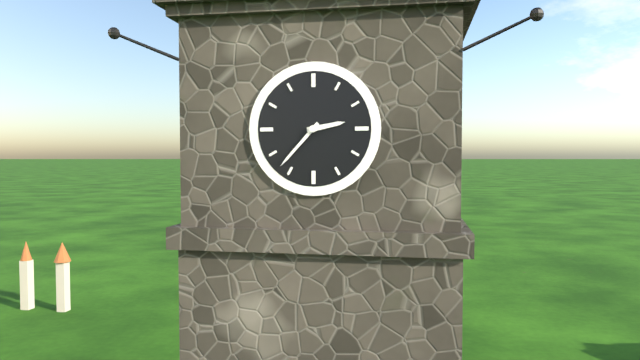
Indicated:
2 h 37 min
